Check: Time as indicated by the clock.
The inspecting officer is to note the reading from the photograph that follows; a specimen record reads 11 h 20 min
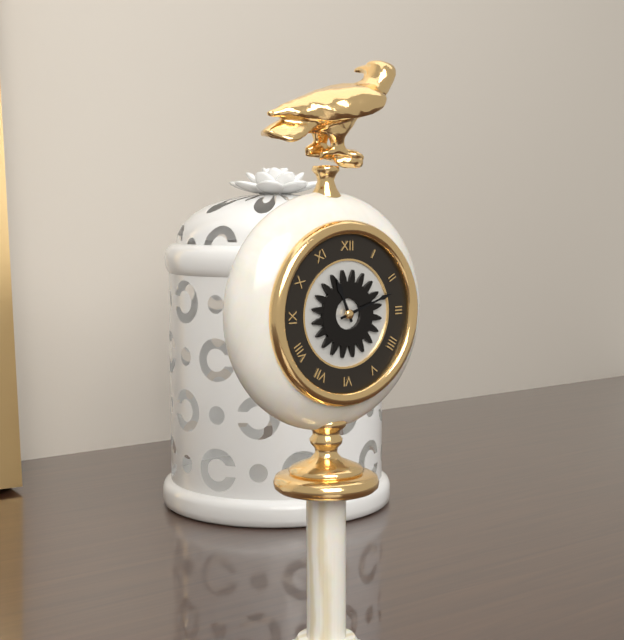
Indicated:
11 h 12 min
